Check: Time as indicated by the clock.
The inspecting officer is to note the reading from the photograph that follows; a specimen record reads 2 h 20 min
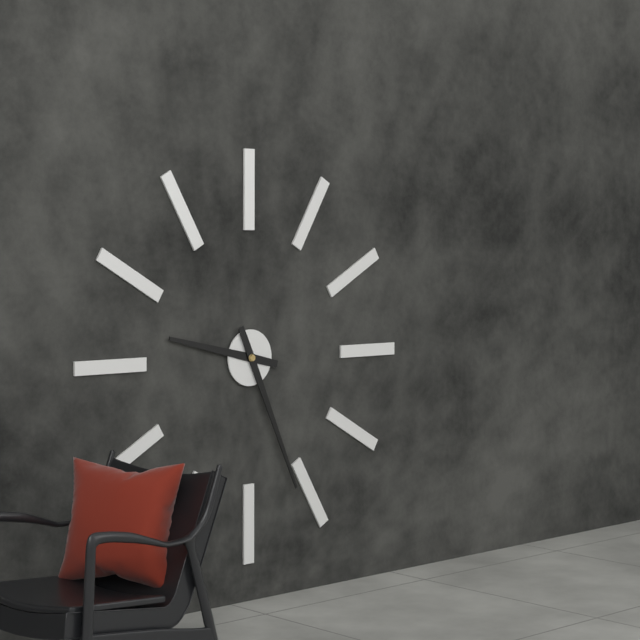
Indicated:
9 h 26 min
